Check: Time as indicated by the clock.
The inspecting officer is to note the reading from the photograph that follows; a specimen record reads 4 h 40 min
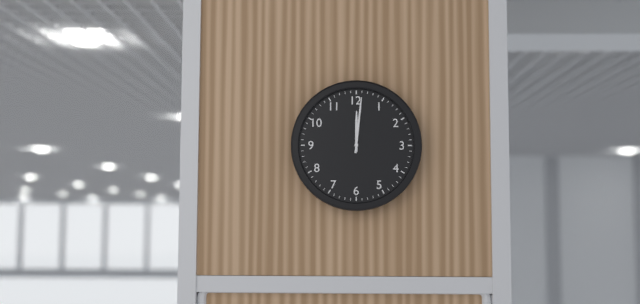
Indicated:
12 h 01 min
